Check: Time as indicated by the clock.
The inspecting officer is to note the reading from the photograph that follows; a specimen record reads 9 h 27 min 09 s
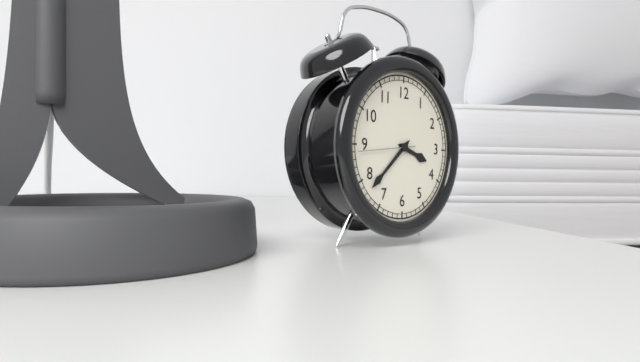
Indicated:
3 h 38 min 44 s
